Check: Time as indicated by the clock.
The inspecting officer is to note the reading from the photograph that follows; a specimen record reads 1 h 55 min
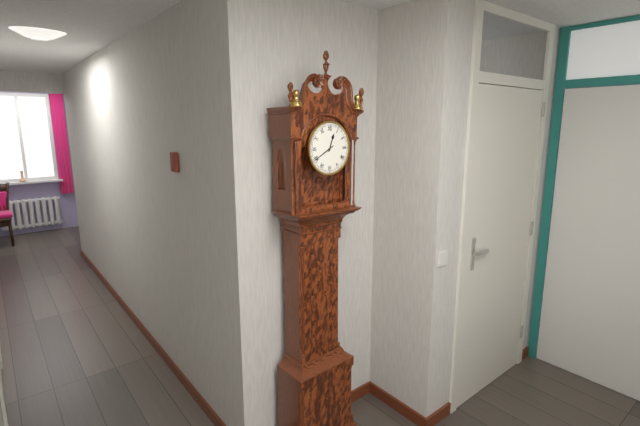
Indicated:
12 h 40 min
